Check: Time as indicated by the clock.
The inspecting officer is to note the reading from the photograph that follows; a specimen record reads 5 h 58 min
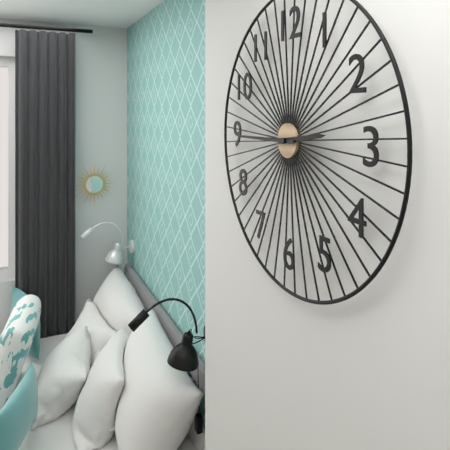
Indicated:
2 h 45 min
